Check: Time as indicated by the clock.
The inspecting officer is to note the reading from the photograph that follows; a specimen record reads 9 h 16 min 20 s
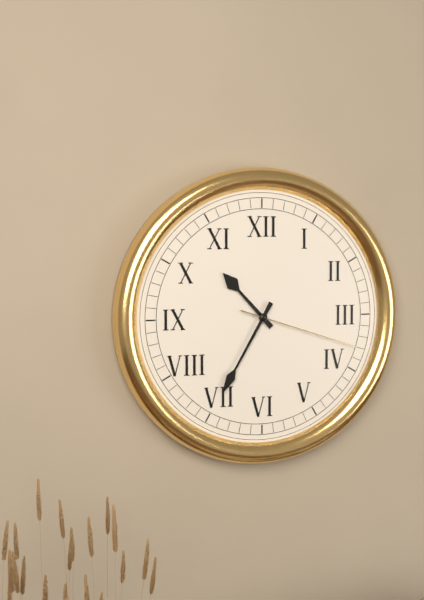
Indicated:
10 h 35 min 18 s
